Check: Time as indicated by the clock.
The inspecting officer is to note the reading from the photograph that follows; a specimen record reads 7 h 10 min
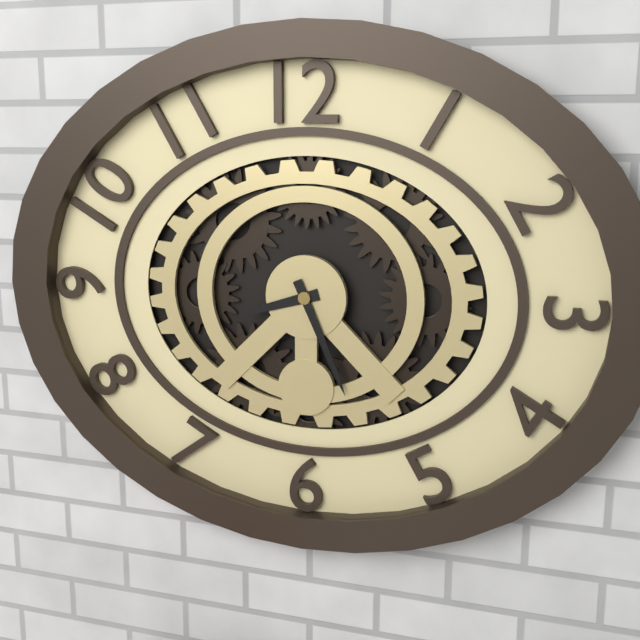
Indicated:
8 h 26 min
